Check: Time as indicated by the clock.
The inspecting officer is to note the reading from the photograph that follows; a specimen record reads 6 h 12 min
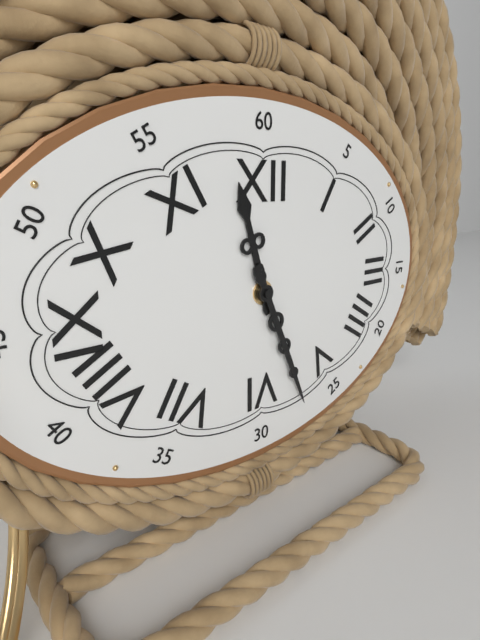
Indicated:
11 h 26 min
